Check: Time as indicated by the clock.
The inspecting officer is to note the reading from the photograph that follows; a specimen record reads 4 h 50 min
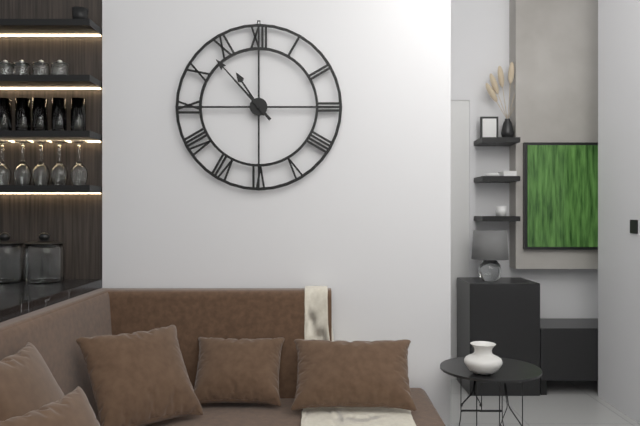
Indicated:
10 h 53 min
